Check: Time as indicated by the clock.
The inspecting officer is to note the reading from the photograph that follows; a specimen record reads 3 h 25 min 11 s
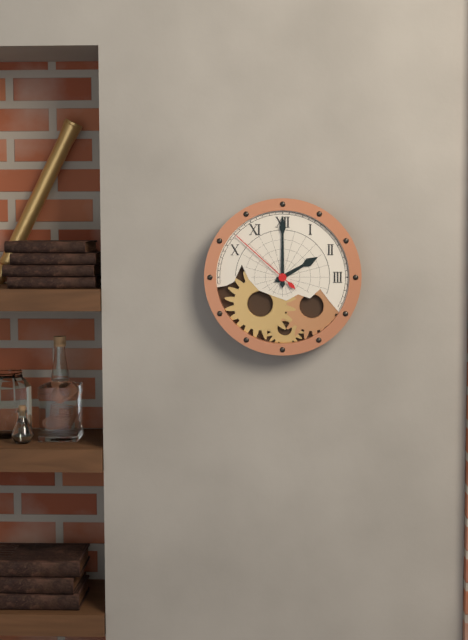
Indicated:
2 h 00 min 52 s
